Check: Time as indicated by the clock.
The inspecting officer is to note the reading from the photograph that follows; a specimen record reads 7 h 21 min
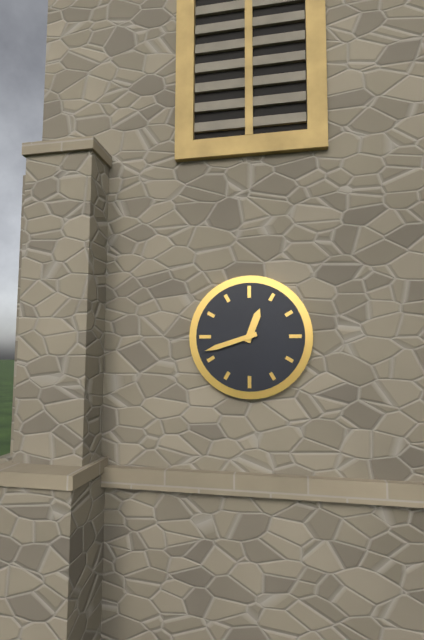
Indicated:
12 h 42 min
